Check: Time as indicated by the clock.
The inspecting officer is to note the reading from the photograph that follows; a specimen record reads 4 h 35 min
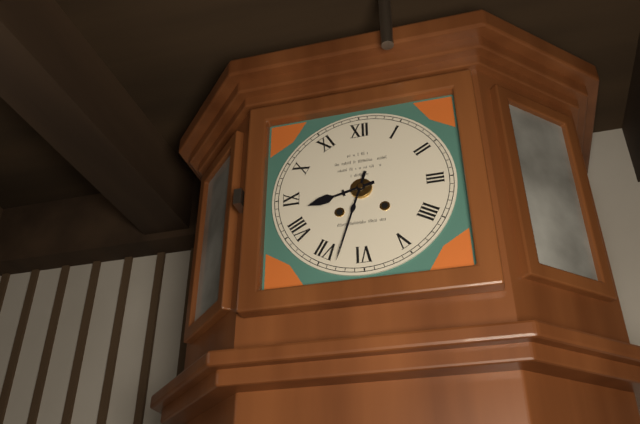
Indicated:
8 h 33 min
